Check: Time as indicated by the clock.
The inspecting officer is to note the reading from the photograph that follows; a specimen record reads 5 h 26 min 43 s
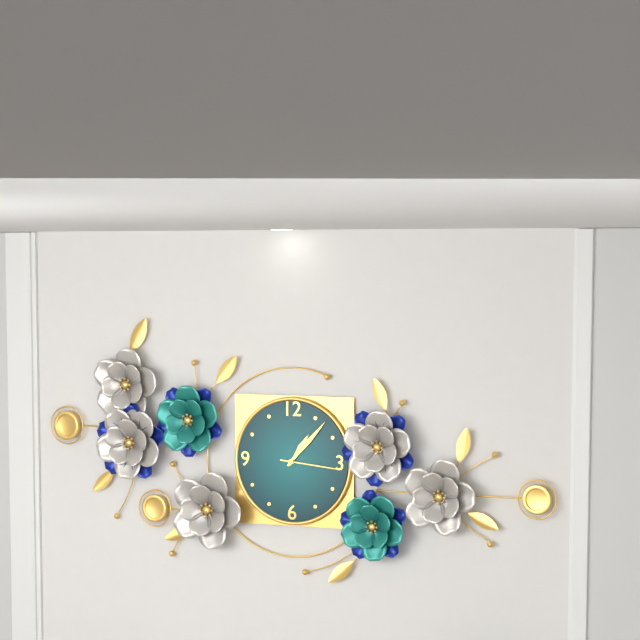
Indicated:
1 h 07 min 16 s
